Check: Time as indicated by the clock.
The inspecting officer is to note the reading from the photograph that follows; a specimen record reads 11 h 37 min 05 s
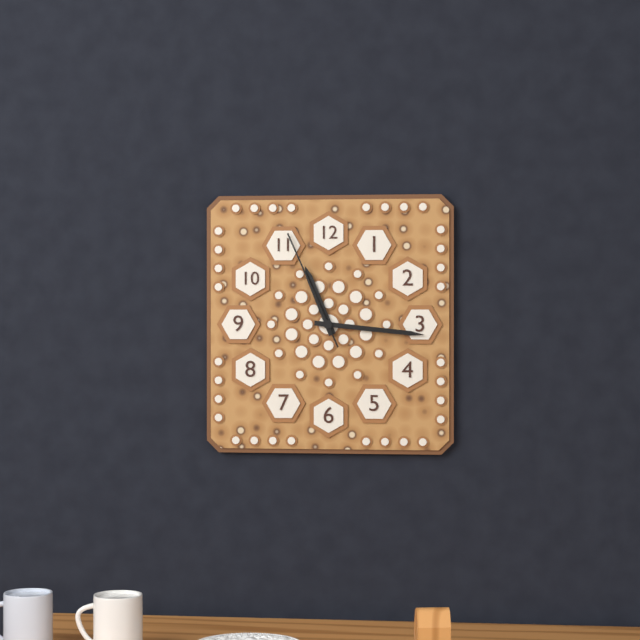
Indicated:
11 h 16 min 56 s
